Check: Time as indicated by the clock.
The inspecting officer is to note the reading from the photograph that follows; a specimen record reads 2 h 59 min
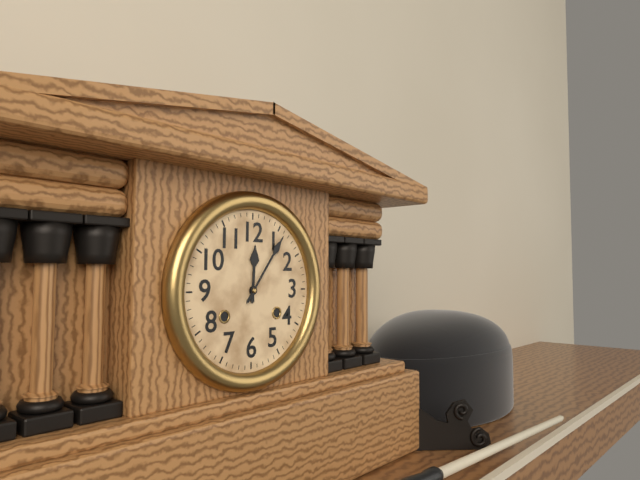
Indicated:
12 h 06 min
